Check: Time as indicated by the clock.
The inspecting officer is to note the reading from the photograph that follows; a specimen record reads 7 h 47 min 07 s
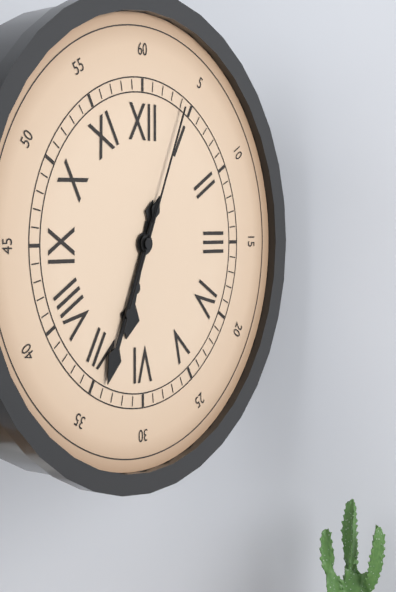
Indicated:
6 h 34 min 04 s
